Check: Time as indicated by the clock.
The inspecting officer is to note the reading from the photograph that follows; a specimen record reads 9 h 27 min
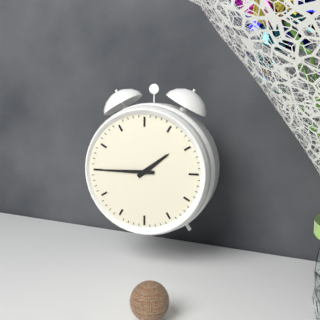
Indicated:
1 h 45 min
